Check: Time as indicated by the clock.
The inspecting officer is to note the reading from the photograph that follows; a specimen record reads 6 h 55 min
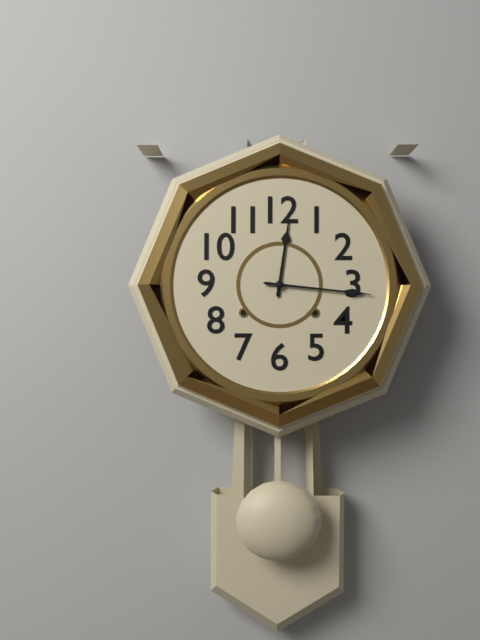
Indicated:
12 h 16 min
